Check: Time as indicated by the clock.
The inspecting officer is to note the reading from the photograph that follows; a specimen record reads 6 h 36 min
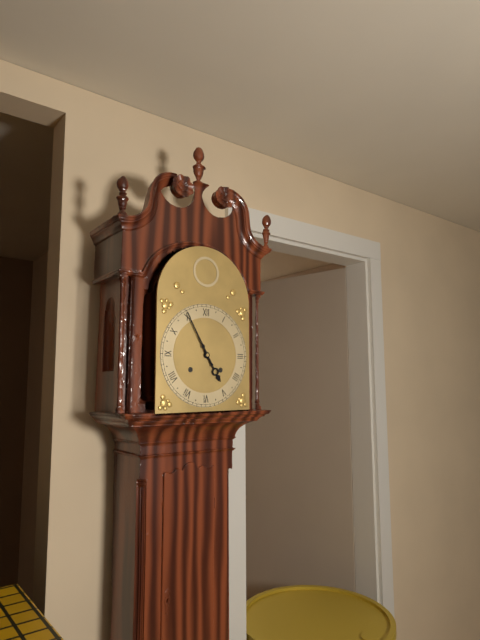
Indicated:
4 h 55 min
